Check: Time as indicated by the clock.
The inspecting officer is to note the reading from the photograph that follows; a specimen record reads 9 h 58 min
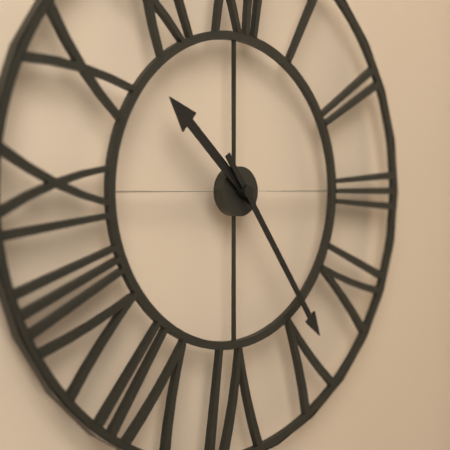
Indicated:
10 h 24 min
